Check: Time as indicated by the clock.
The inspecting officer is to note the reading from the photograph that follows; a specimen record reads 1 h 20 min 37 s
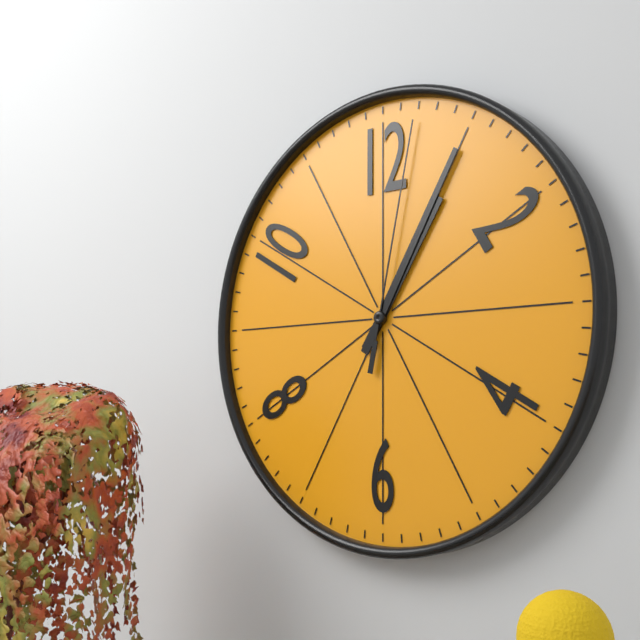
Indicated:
1 h 05 min 02 s
